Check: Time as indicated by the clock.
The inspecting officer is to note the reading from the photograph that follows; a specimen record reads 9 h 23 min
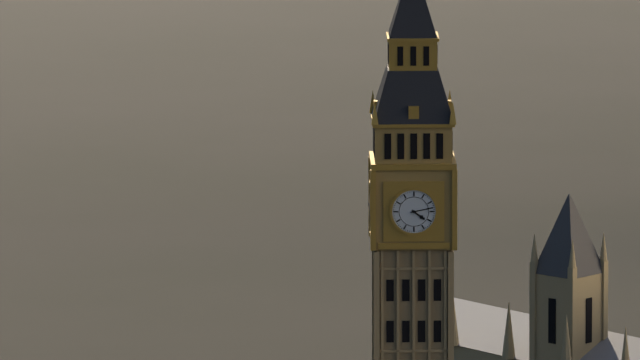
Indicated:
4 h 13 min
